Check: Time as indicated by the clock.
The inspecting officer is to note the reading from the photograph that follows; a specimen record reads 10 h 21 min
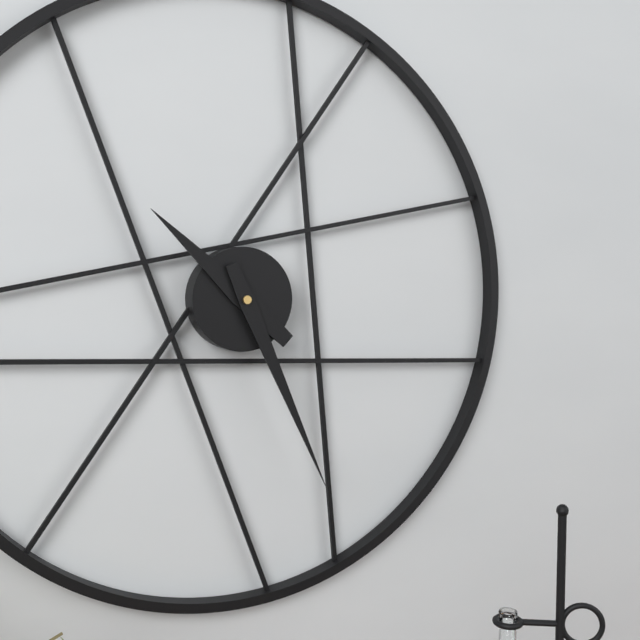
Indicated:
10 h 26 min
